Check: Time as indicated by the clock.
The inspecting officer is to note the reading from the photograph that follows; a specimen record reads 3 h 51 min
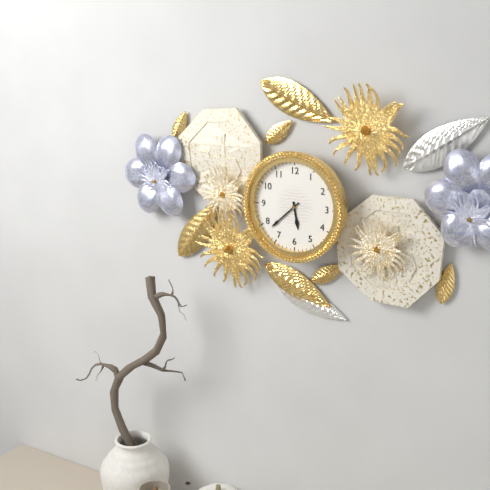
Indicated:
5 h 38 min
